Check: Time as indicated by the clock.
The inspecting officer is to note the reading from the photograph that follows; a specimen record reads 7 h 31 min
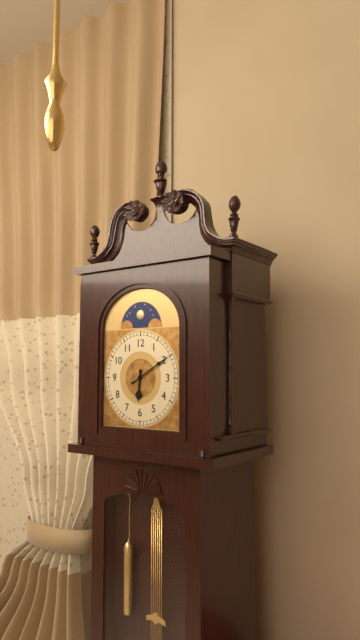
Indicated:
6 h 10 min
